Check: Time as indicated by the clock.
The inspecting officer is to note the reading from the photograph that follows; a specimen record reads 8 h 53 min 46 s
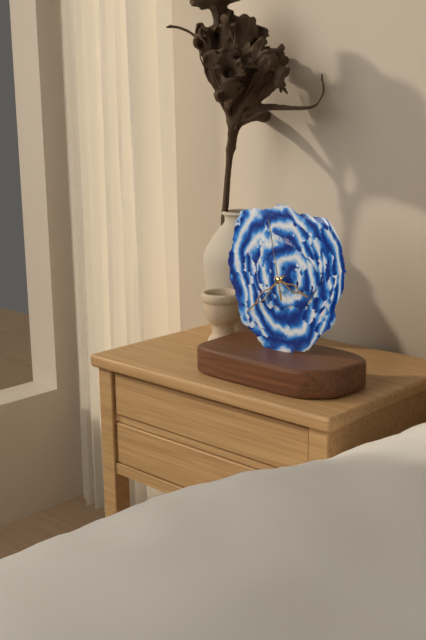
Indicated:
3 h 38 min 58 s
